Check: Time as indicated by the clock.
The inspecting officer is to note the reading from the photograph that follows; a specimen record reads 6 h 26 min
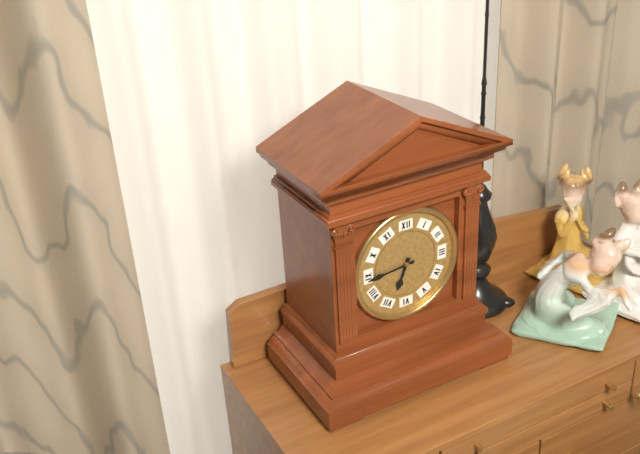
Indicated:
6 h 44 min
